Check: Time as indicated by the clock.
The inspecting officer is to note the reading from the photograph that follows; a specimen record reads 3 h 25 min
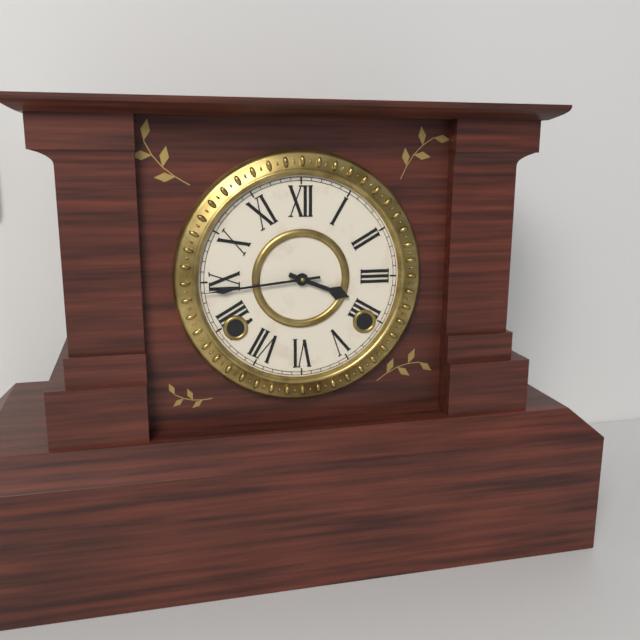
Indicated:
3 h 44 min
